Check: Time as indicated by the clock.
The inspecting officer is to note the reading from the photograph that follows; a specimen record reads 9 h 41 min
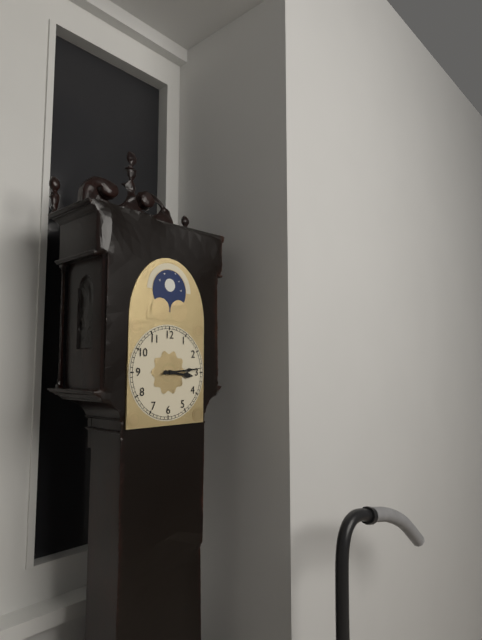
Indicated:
3 h 14 min
